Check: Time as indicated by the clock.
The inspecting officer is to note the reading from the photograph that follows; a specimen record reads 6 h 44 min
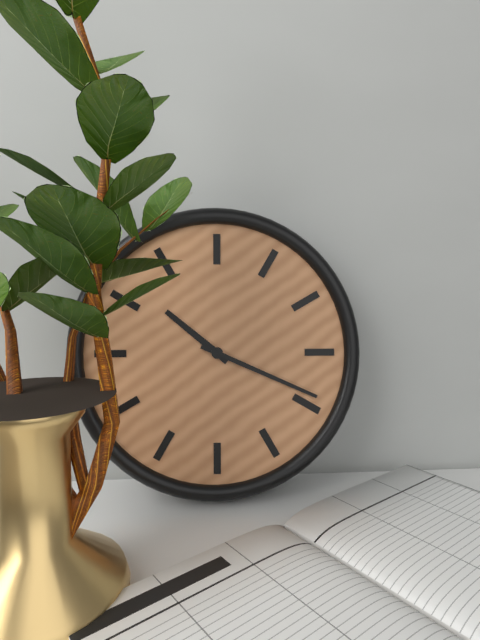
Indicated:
10 h 19 min
